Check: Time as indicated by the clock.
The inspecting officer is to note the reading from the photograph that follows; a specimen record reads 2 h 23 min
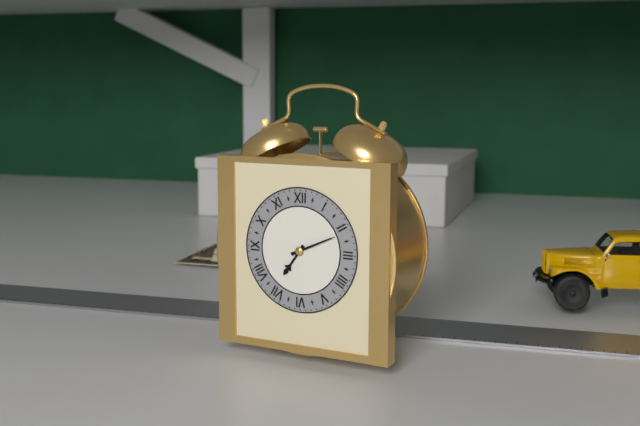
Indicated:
7 h 11 min
